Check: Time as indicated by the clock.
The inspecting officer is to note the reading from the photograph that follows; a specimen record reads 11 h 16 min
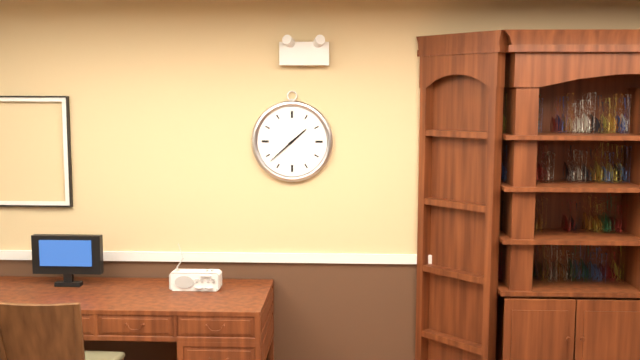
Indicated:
1 h 38 min
